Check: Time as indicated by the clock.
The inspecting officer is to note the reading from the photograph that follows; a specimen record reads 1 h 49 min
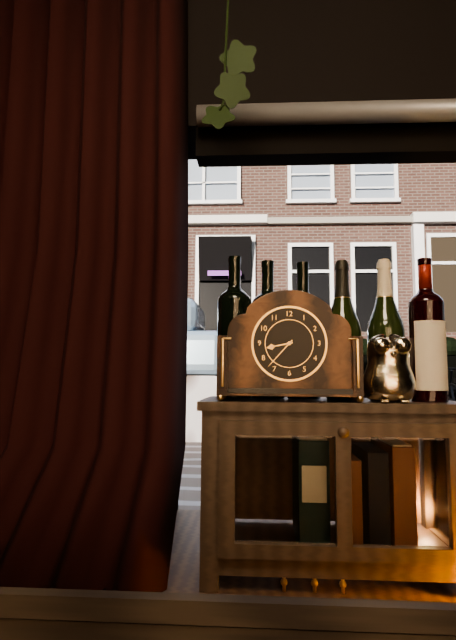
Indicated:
8 h 37 min
